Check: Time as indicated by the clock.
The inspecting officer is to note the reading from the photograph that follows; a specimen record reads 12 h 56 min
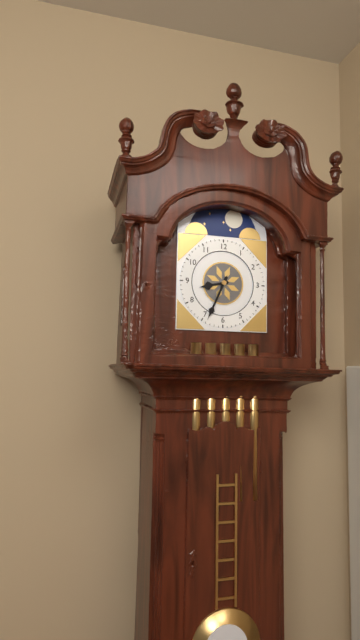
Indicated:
8 h 34 min
